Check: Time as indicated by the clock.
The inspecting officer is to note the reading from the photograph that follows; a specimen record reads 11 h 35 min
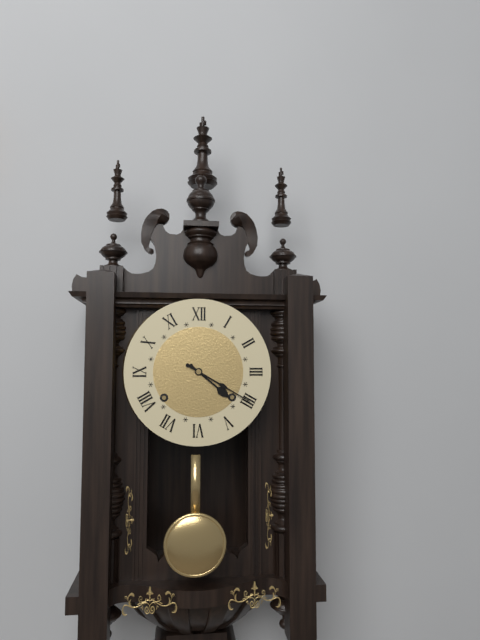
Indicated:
4 h 20 min
